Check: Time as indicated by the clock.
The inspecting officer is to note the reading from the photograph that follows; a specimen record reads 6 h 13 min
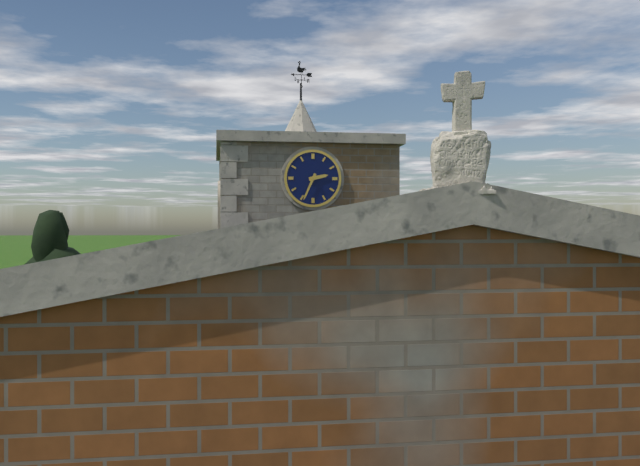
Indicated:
2 h 34 min
